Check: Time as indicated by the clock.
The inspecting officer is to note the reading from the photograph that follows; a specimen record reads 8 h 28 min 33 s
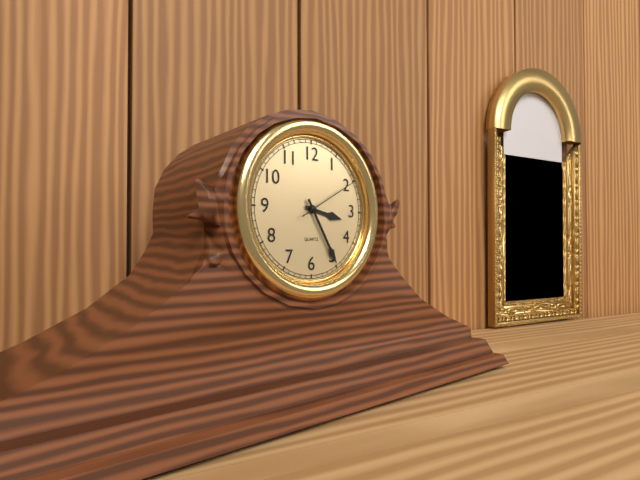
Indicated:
3 h 25 min 10 s
